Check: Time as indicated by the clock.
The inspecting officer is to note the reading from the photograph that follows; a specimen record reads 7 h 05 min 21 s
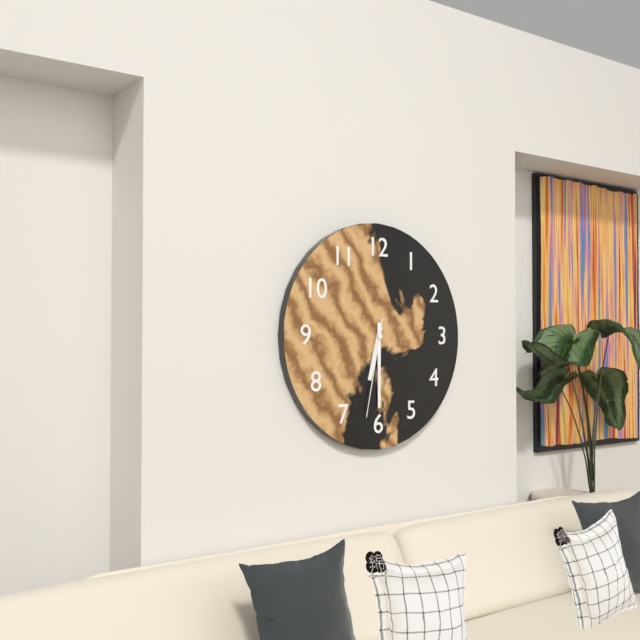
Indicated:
6 h 30 min 32 s
